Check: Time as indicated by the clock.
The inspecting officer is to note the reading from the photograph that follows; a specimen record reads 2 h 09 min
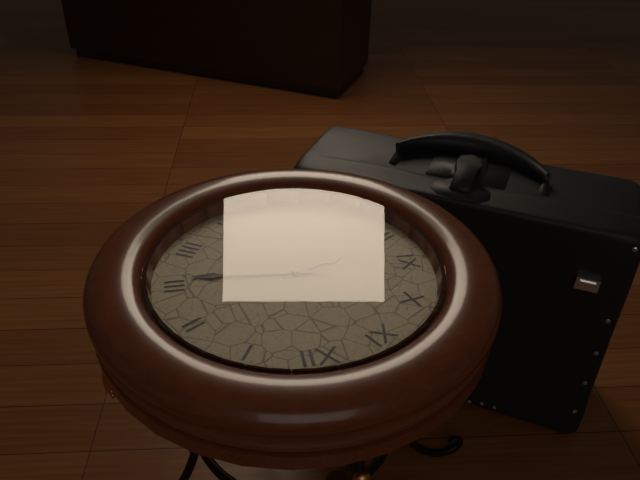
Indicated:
8 h 16 min
